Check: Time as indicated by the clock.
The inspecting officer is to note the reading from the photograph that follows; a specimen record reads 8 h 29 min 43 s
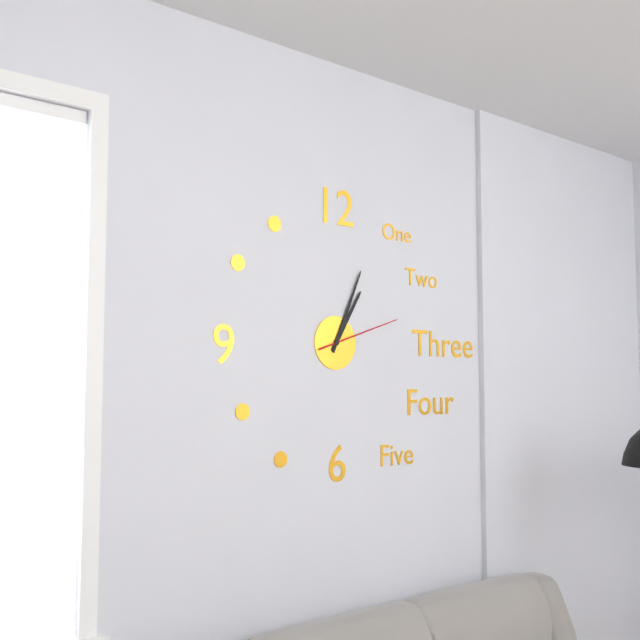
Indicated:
1 h 04 min 12 s
